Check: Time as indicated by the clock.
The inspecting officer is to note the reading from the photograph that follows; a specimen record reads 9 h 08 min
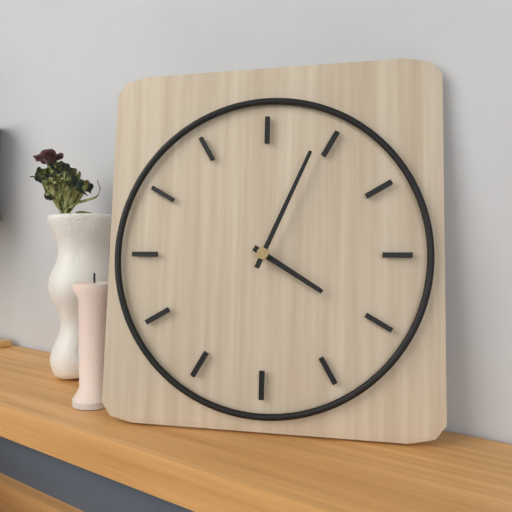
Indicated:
4 h 04 min
